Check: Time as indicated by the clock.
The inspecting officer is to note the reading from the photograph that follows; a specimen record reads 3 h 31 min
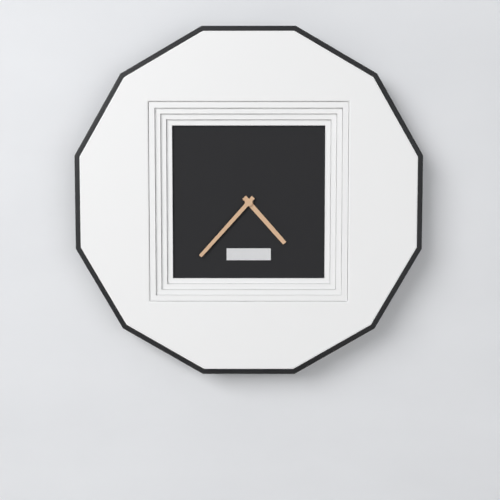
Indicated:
4 h 37 min
